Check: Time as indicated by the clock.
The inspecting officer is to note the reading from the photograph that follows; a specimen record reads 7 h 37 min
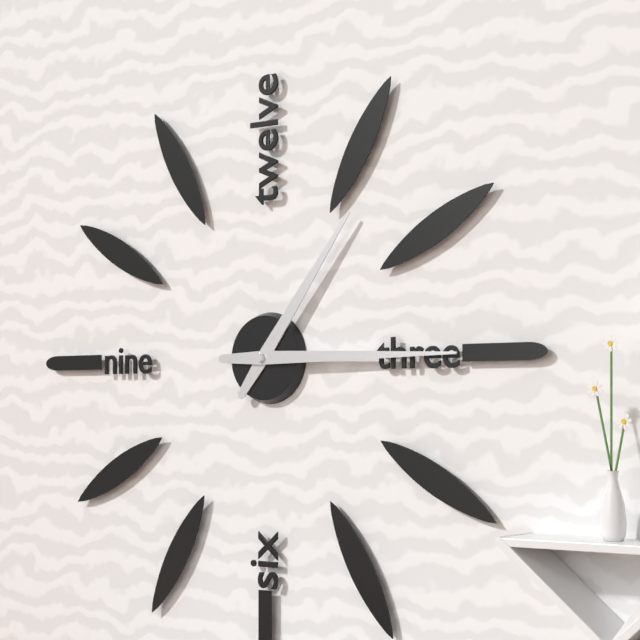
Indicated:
1 h 15 min
